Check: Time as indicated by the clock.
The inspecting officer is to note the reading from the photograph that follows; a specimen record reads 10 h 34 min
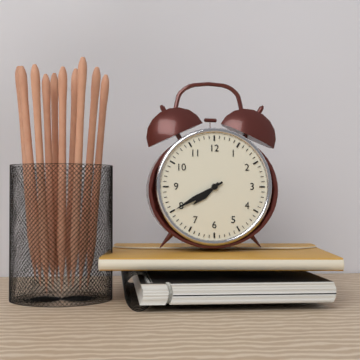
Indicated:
7 h 40 min
